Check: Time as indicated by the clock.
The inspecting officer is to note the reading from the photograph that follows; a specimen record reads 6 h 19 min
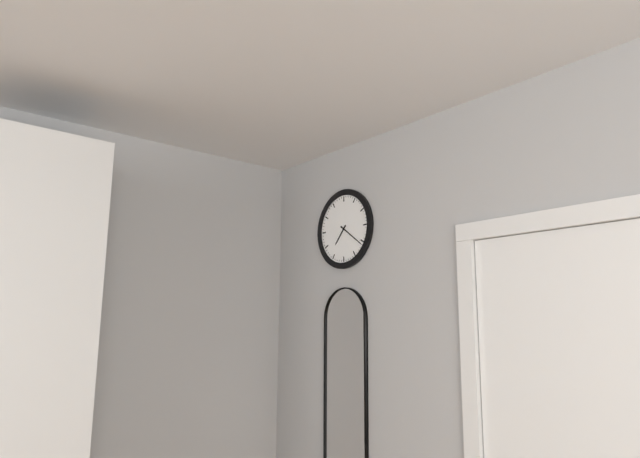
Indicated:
7 h 21 min
